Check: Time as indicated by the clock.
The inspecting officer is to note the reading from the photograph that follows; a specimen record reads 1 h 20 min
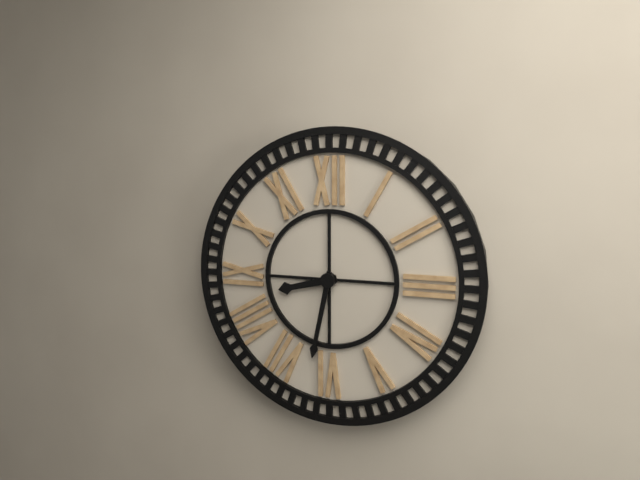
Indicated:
8 h 32 min
